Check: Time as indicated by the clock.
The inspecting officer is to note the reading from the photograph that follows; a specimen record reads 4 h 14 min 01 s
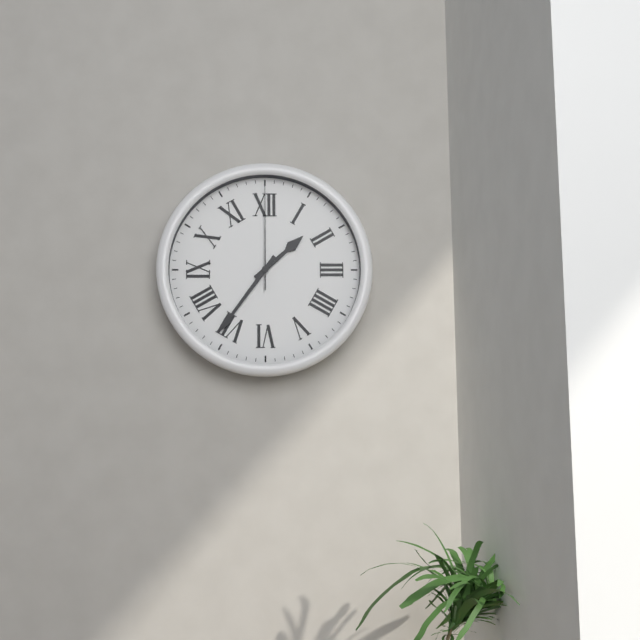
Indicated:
1 h 36 min 00 s
